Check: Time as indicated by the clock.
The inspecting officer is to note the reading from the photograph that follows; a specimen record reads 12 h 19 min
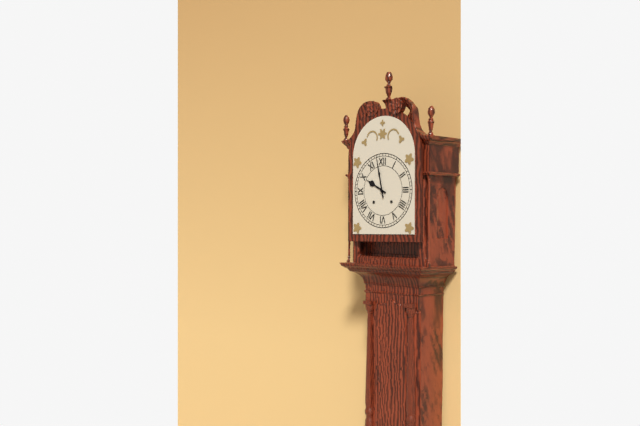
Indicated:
9 h 58 min
